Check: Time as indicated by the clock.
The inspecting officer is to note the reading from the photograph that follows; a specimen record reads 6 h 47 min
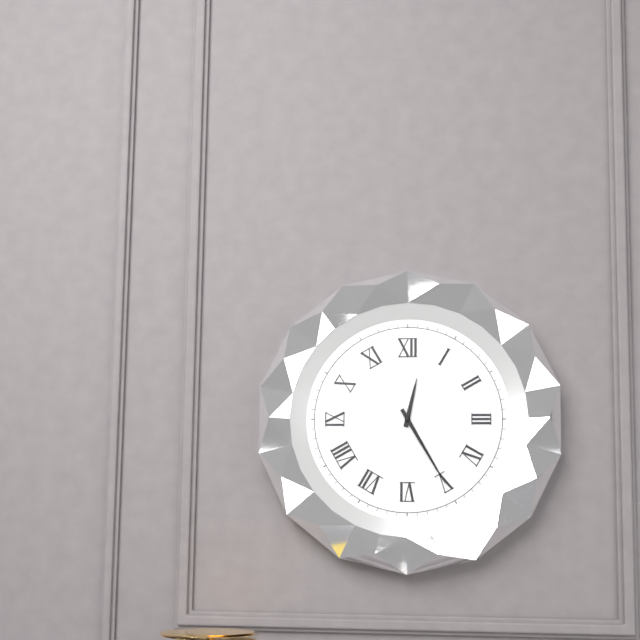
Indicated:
12 h 25 min
